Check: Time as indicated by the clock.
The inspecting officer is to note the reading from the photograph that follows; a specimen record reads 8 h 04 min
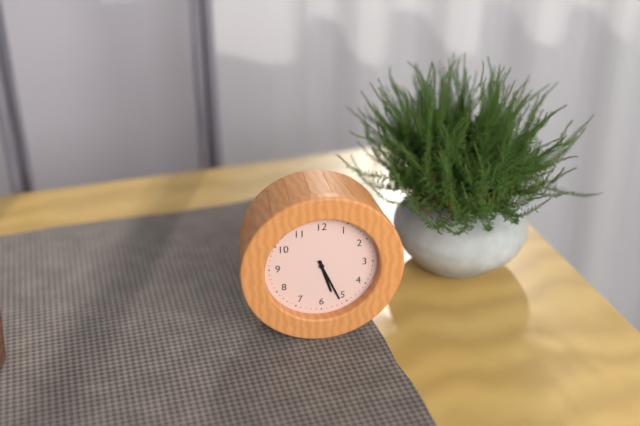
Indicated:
5 h 26 min
